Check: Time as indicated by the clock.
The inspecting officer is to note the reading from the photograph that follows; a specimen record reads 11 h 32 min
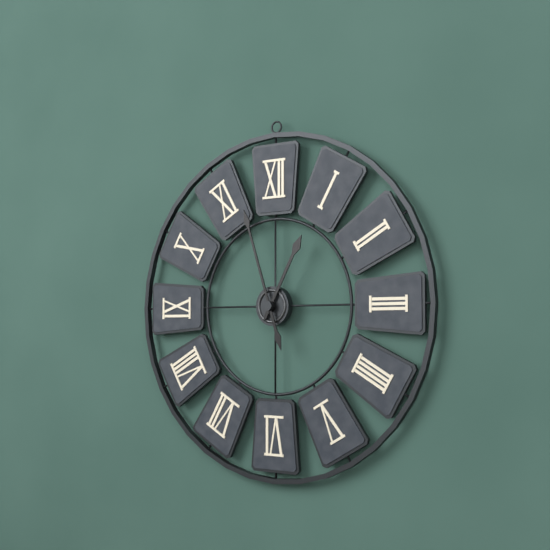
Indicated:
12 h 57 min
